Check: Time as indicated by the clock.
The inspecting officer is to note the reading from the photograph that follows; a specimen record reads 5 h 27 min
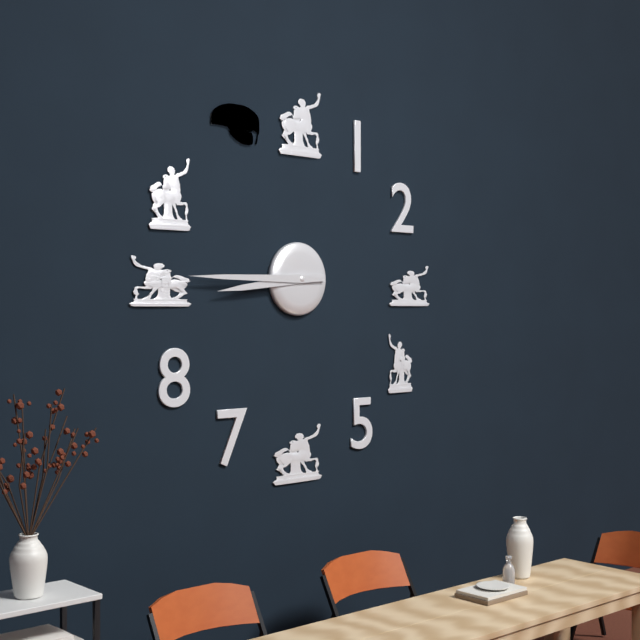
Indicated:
8 h 45 min
